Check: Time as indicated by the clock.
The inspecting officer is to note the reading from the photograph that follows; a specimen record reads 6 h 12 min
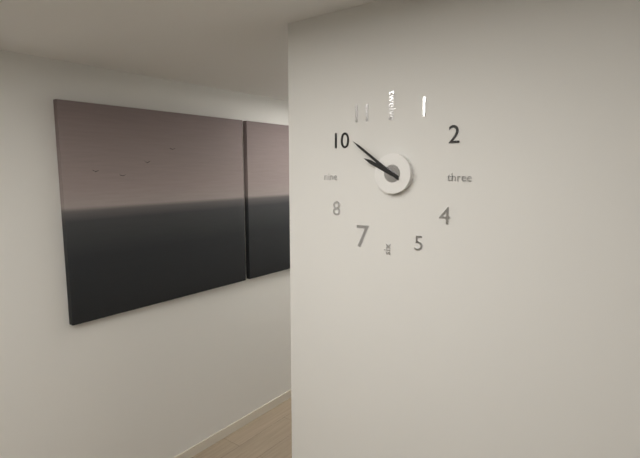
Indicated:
9 h 51 min
